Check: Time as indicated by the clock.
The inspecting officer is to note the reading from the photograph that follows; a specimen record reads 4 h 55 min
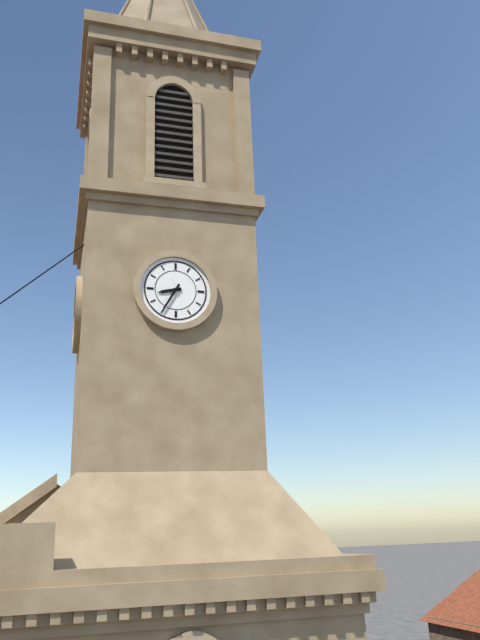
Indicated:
8 h 35 min
